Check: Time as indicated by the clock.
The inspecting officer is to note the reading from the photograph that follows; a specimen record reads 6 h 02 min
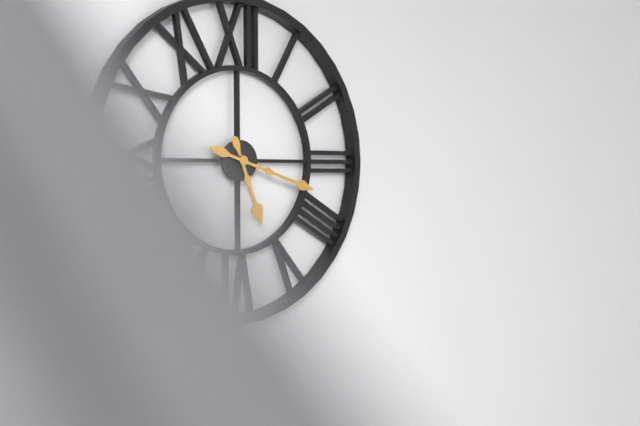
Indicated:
5 h 18 min
